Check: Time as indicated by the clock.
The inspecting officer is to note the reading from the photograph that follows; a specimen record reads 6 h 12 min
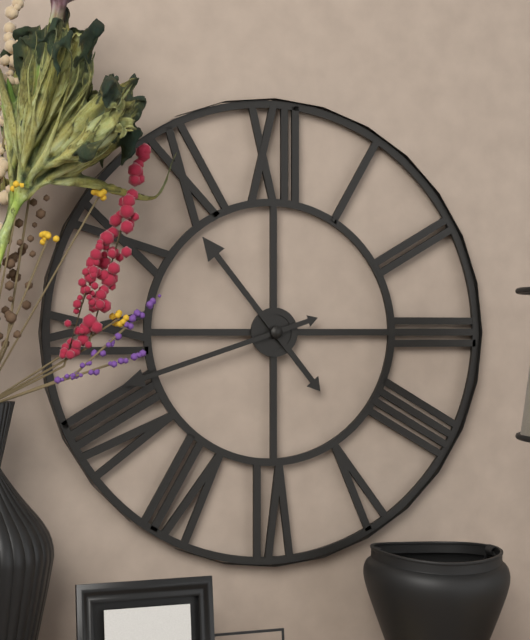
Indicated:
10 h 42 min
